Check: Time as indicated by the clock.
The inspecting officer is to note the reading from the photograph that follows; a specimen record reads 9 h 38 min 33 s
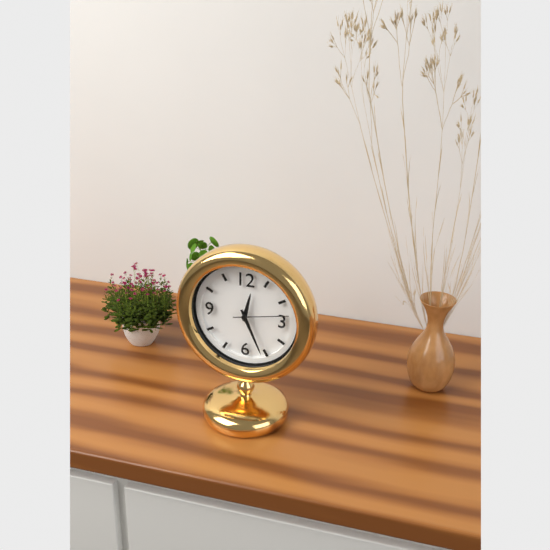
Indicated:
12 h 26 min 13 s
